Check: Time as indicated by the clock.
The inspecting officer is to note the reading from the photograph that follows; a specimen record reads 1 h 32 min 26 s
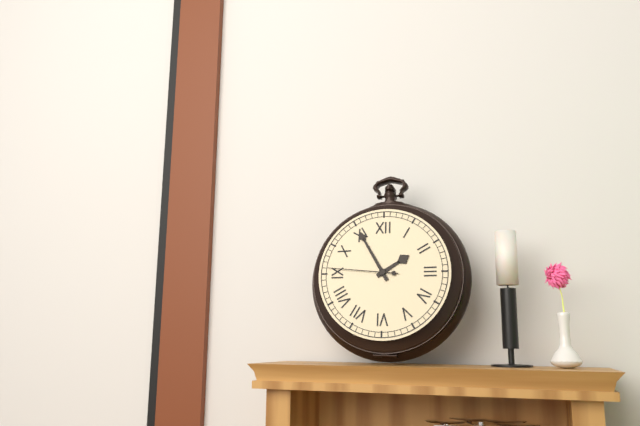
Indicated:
1 h 55 min 46 s
